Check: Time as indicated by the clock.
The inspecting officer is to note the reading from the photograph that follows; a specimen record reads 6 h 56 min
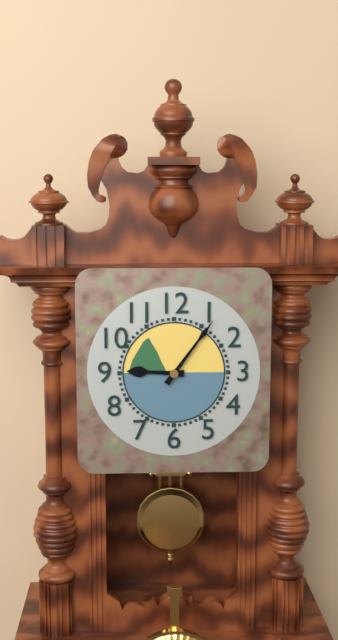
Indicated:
9 h 06 min
